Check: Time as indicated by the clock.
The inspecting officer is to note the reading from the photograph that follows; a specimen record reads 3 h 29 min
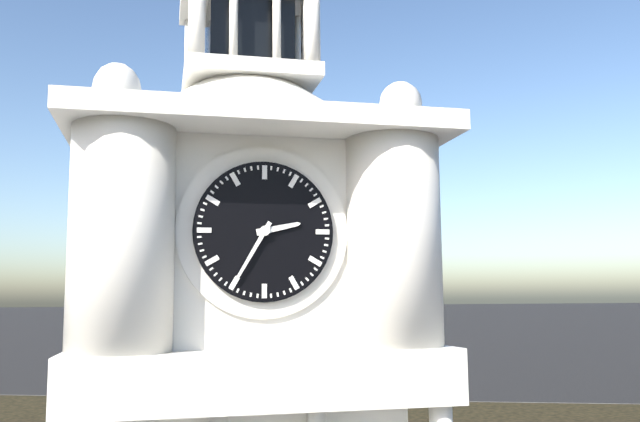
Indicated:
2 h 35 min
